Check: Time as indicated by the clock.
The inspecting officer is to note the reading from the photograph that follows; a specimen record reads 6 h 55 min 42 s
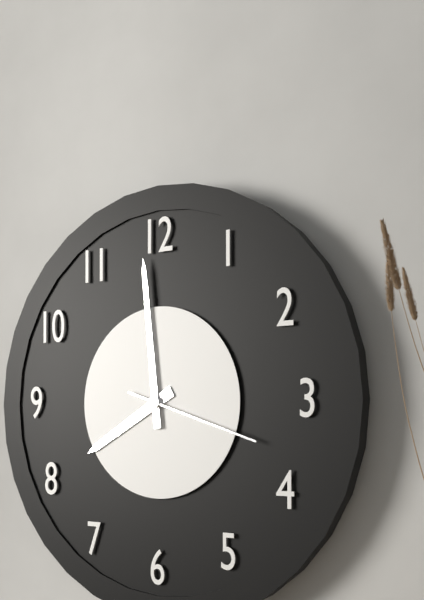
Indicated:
7 h 59 min 18 s
